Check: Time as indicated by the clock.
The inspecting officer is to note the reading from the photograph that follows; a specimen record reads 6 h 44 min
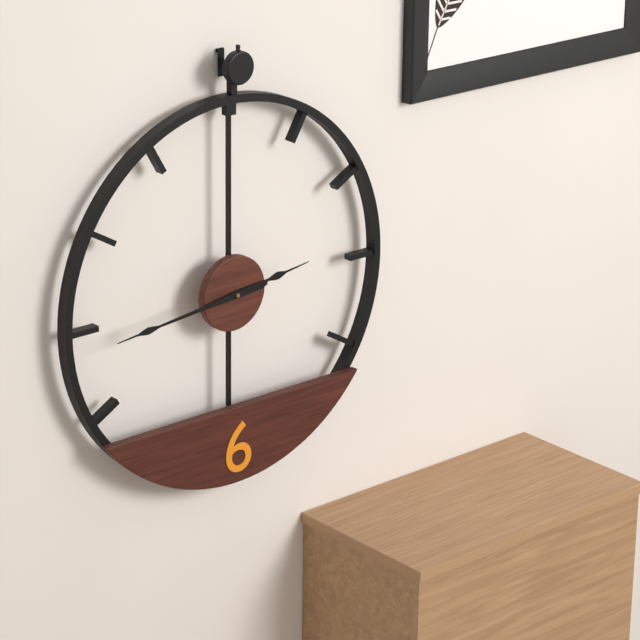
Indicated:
2 h 44 min
